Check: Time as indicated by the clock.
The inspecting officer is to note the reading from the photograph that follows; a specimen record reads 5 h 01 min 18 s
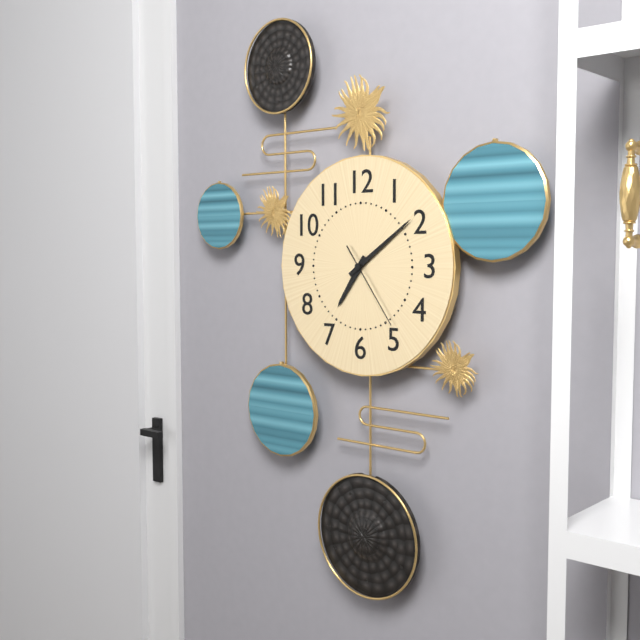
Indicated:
7 h 09 min 24 s
